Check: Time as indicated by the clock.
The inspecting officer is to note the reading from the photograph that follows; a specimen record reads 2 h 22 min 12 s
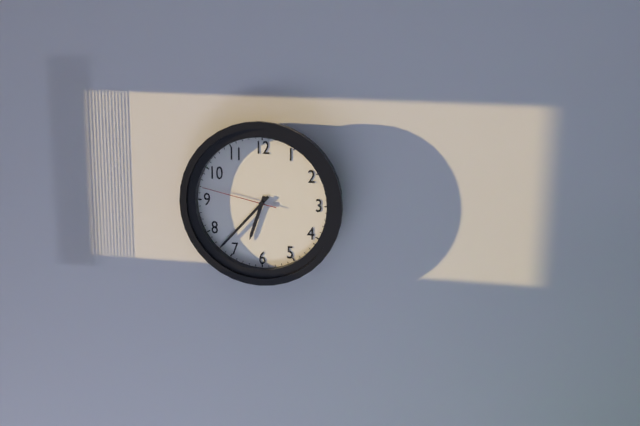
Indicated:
6 h 37 min 47 s
